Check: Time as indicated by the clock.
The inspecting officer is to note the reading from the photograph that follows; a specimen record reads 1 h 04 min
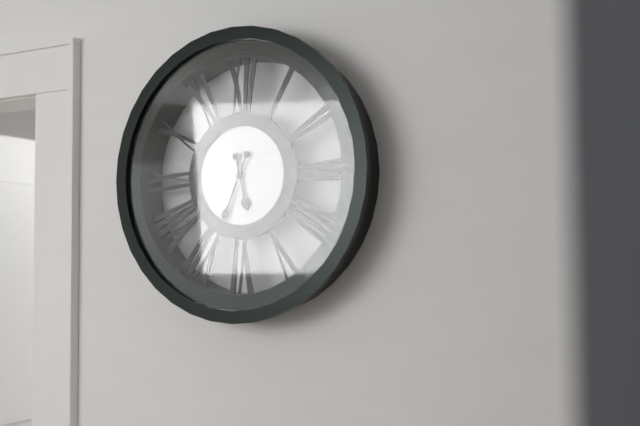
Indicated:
5 h 34 min
